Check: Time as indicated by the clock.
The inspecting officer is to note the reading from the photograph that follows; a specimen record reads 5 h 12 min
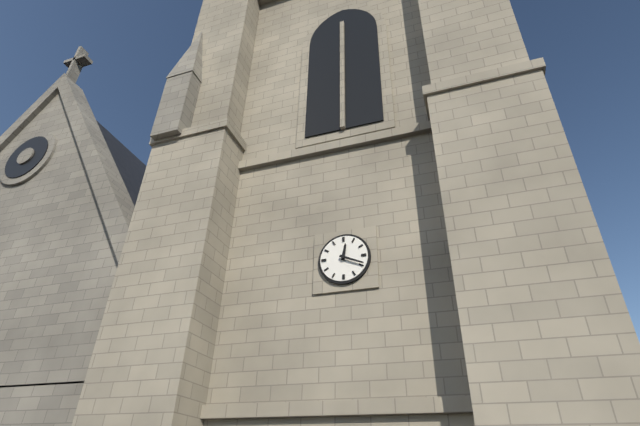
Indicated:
12 h 19 min
